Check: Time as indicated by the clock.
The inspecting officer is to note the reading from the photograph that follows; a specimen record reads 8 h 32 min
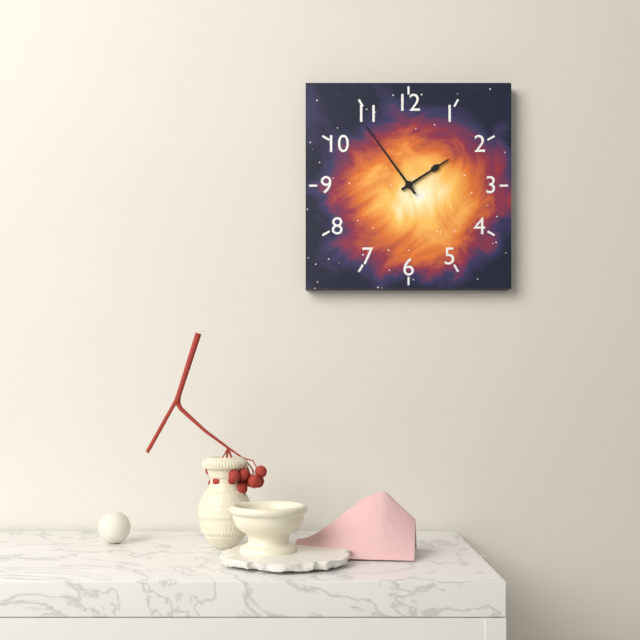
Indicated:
1 h 54 min
